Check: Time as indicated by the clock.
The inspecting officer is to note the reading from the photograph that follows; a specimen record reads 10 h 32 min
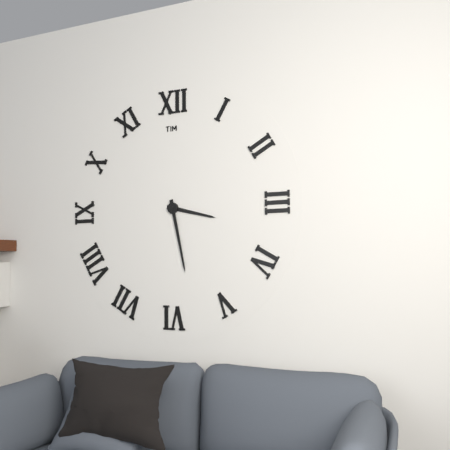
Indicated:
3 h 28 min
